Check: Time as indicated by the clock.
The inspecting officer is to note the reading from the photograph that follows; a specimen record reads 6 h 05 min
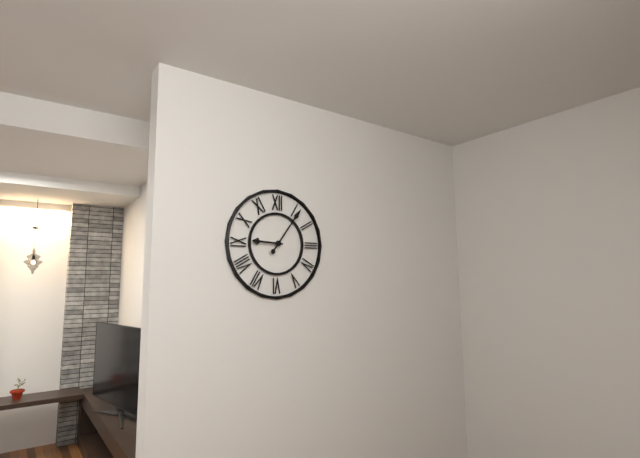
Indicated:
9 h 06 min
